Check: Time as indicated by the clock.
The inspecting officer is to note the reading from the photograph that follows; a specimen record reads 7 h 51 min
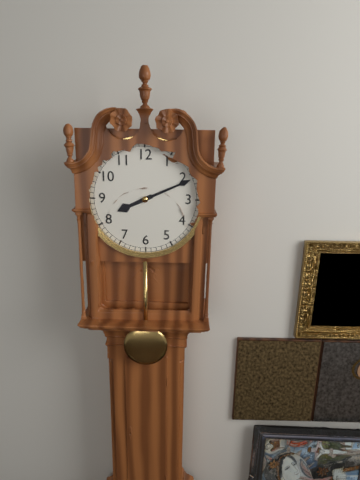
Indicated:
8 h 11 min
